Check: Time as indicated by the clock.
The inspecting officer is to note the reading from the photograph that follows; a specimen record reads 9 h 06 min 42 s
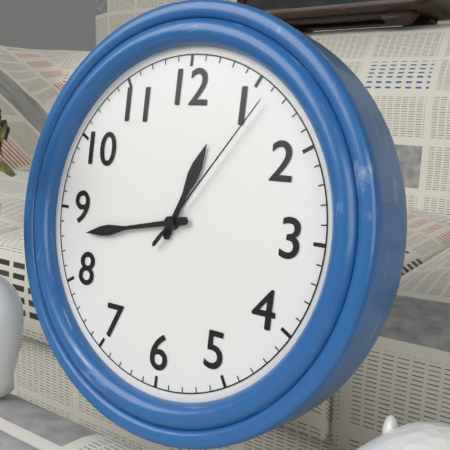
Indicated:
12 h 43 min 06 s
